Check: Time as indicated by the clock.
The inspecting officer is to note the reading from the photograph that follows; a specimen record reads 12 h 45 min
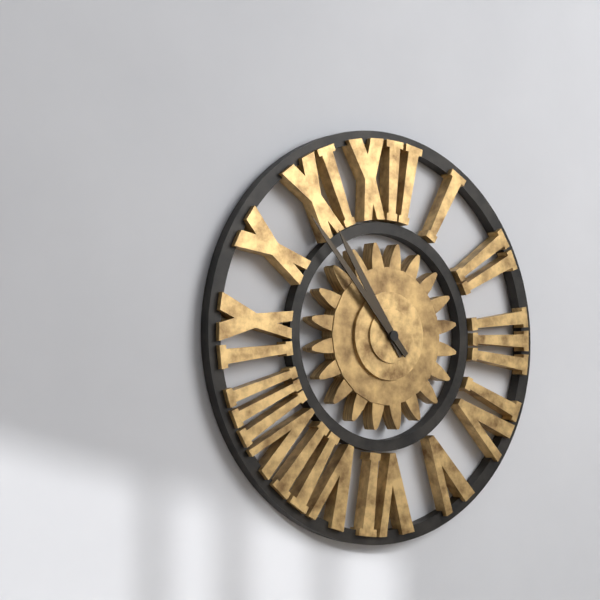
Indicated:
10 h 53 min
